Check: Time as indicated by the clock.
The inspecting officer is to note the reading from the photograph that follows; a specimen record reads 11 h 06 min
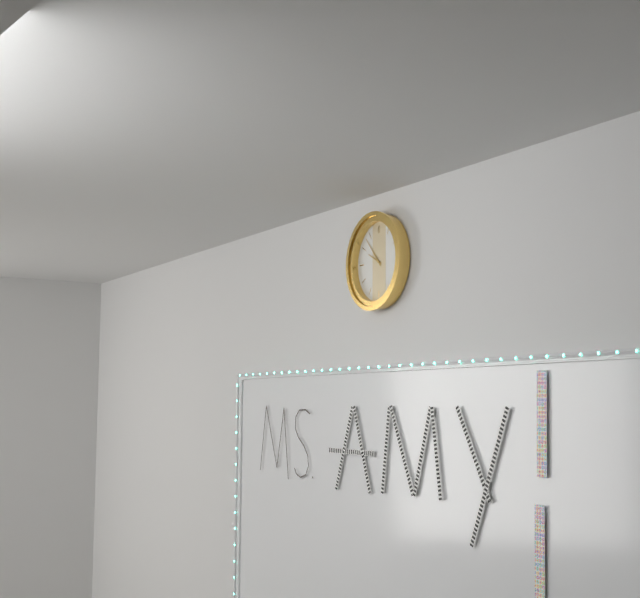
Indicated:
9 h 53 min
